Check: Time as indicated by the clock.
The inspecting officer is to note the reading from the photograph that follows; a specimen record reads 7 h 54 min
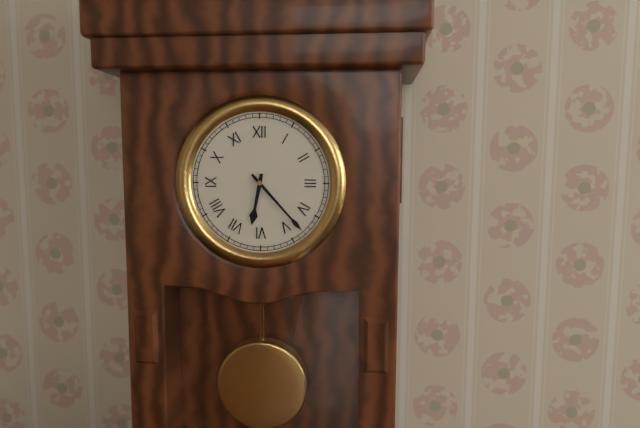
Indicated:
6 h 23 min
